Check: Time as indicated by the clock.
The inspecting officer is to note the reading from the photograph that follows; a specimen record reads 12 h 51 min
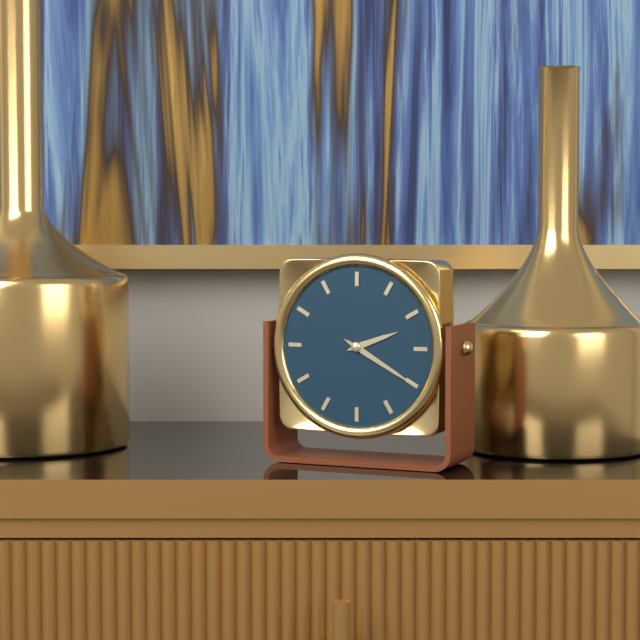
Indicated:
2 h 20 min
